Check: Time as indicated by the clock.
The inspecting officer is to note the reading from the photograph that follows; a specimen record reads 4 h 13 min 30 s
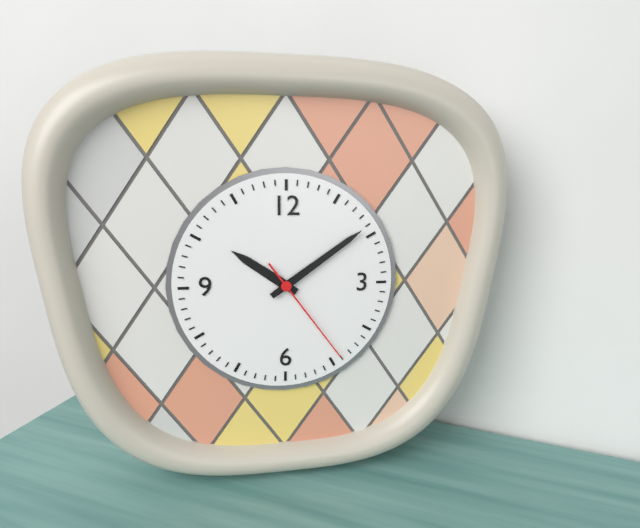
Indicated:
10 h 09 min 24 s
